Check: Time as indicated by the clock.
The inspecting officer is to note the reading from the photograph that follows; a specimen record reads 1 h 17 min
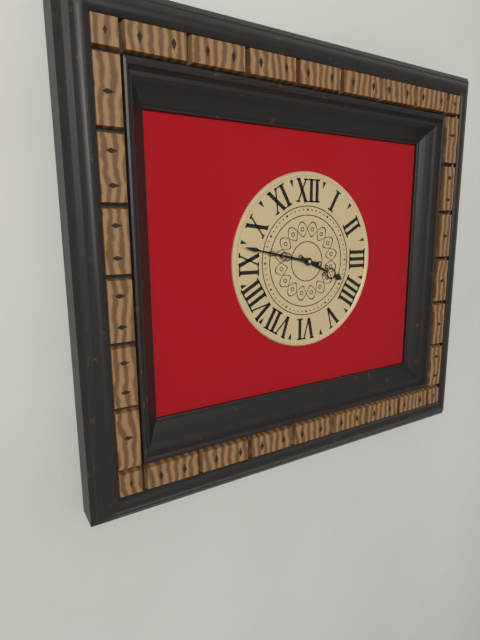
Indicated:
3 h 47 min
